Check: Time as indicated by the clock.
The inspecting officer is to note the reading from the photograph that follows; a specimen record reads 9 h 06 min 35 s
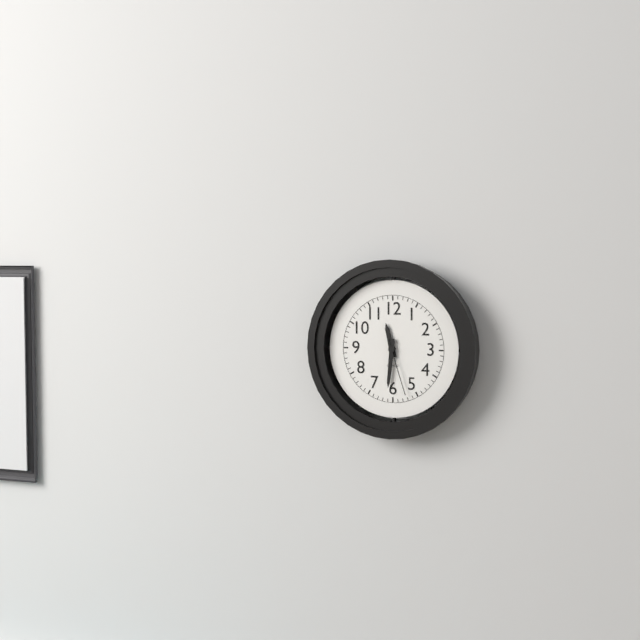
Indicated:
11 h 31 min 27 s
